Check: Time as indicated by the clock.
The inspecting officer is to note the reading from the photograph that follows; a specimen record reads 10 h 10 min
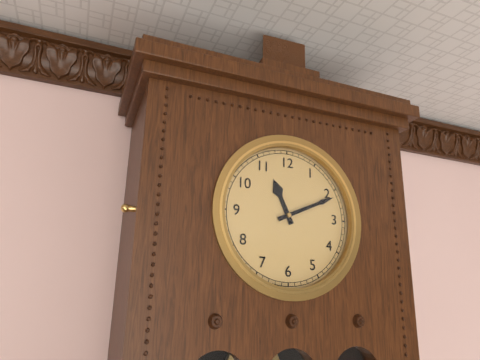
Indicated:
11 h 11 min
